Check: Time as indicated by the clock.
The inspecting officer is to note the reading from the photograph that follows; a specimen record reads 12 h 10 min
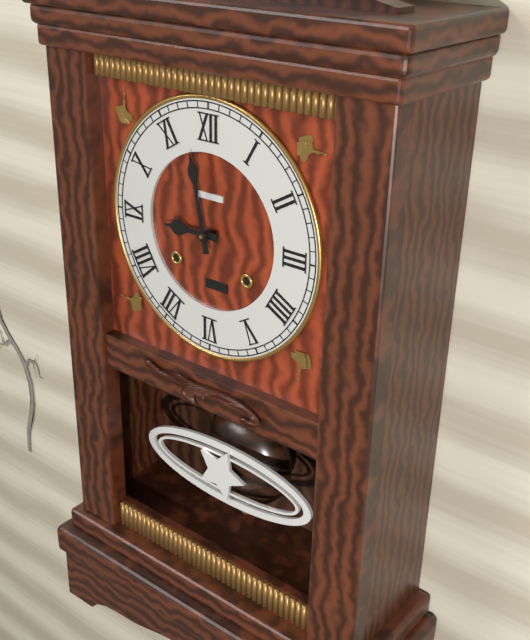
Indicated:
8 h 58 min
